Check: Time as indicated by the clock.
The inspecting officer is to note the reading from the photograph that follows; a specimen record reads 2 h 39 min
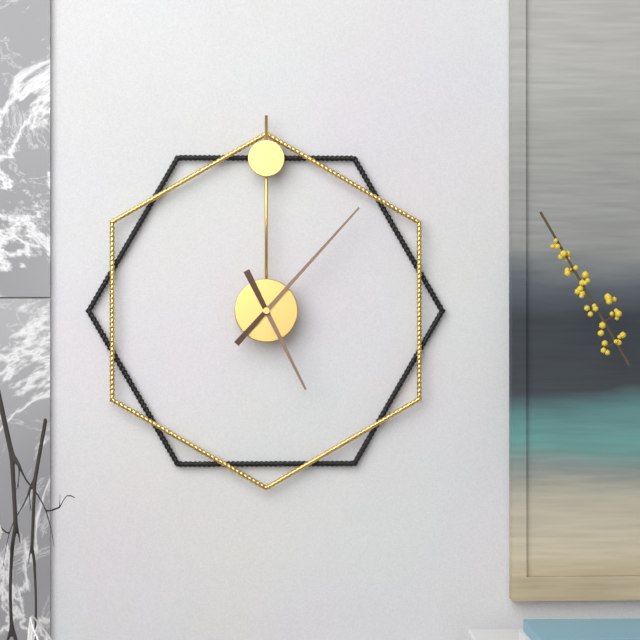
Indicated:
5 h 07 min
